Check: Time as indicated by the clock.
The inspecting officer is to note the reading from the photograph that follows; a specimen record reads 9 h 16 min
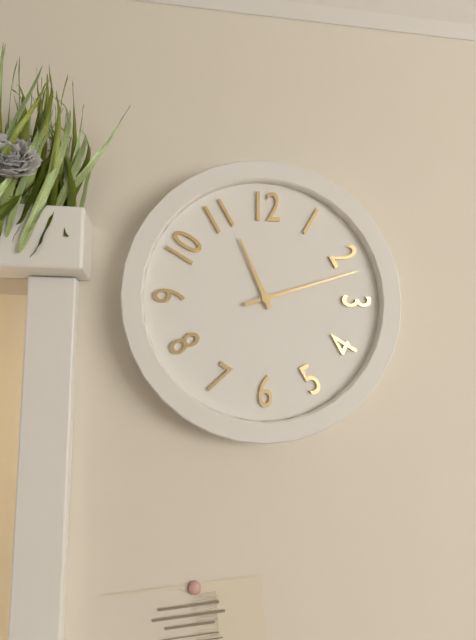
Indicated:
11 h 12 min
